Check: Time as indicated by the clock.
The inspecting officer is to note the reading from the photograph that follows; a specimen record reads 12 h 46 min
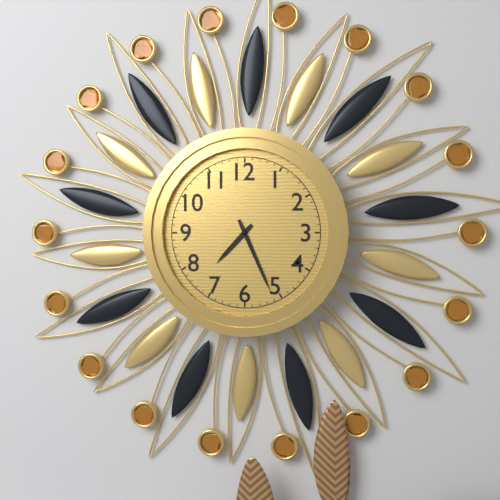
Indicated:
7 h 26 min
